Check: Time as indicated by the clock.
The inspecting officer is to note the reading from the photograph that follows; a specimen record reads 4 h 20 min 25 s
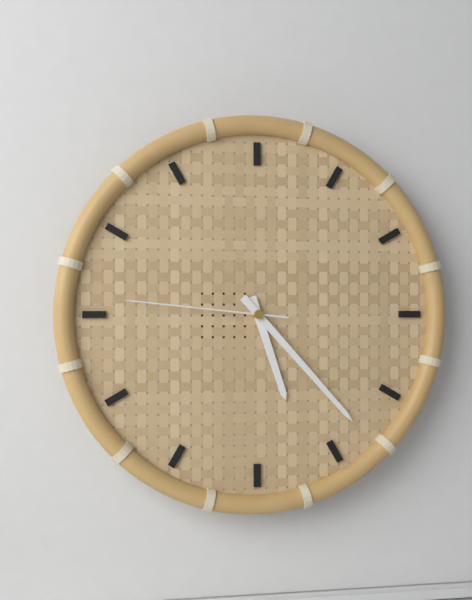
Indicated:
5 h 23 min 46 s
